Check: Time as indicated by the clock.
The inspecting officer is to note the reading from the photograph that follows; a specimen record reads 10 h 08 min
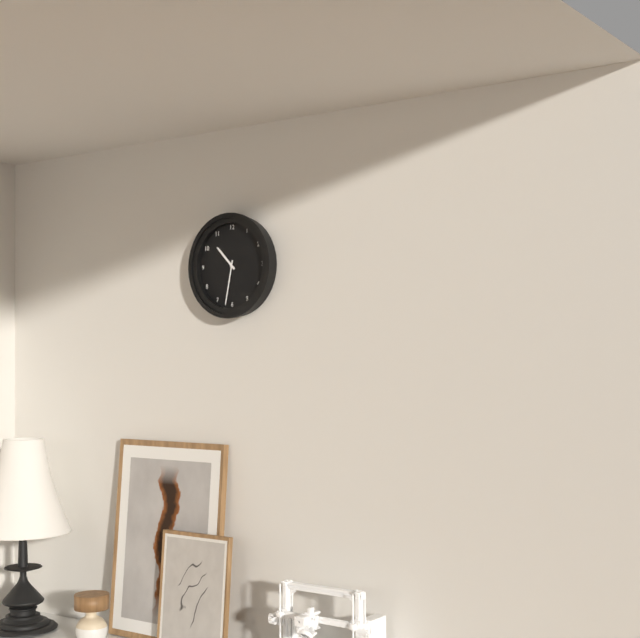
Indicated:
10 h 32 min
